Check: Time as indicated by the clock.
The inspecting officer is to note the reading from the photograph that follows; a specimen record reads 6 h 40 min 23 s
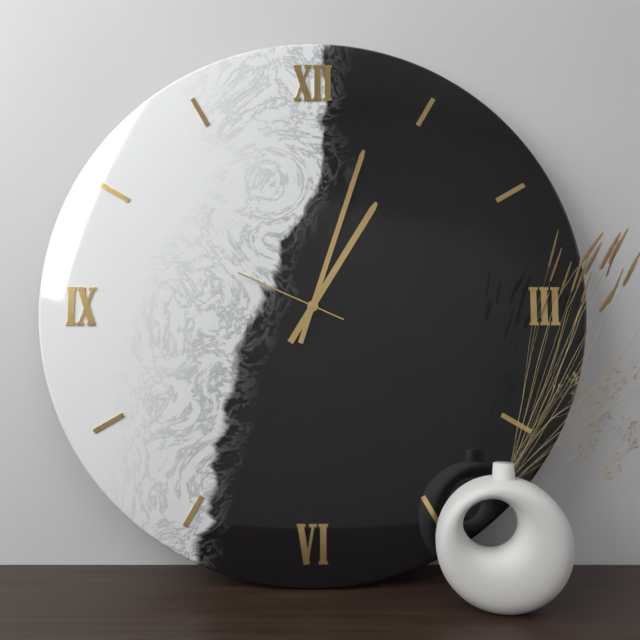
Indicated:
1 h 03 min 49 s
